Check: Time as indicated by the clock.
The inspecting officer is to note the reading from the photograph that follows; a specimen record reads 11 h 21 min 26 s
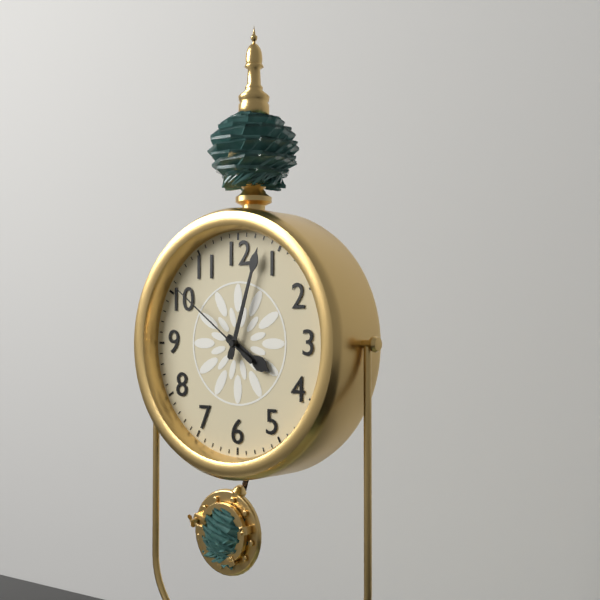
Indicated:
4 h 03 min 51 s
